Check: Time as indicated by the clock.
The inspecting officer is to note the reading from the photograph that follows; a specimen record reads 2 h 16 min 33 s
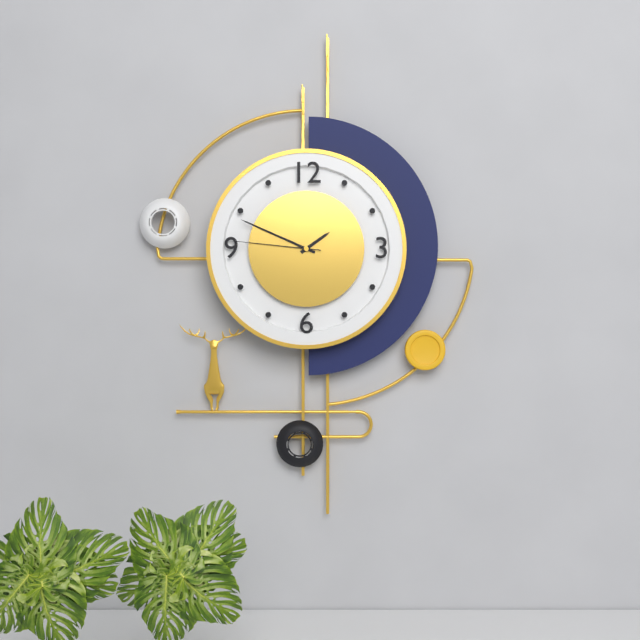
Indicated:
1 h 49 min 46 s
